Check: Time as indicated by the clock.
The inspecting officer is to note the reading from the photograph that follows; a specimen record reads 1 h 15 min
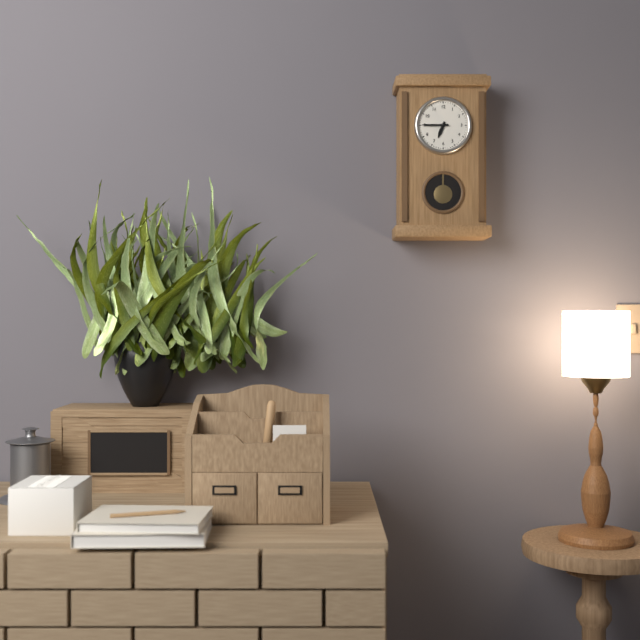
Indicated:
6 h 45 min
